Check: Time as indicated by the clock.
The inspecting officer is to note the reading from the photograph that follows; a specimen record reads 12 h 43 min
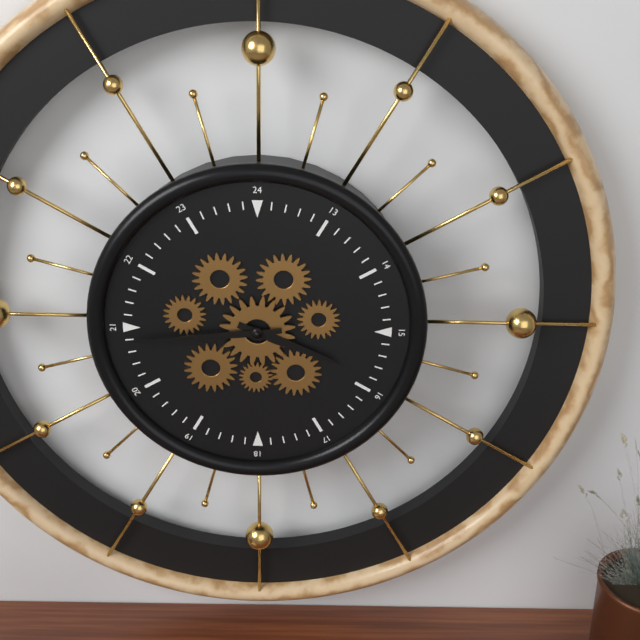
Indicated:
3 h 44 min
